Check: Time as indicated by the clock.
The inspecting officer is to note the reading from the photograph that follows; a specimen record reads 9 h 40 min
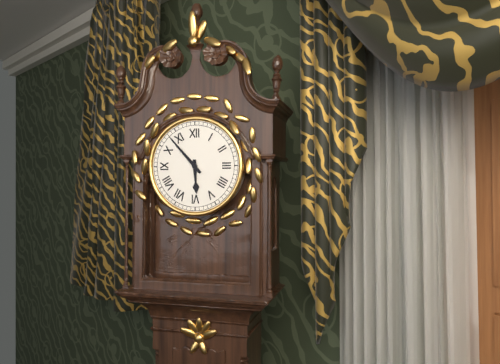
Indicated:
5 h 53 min
